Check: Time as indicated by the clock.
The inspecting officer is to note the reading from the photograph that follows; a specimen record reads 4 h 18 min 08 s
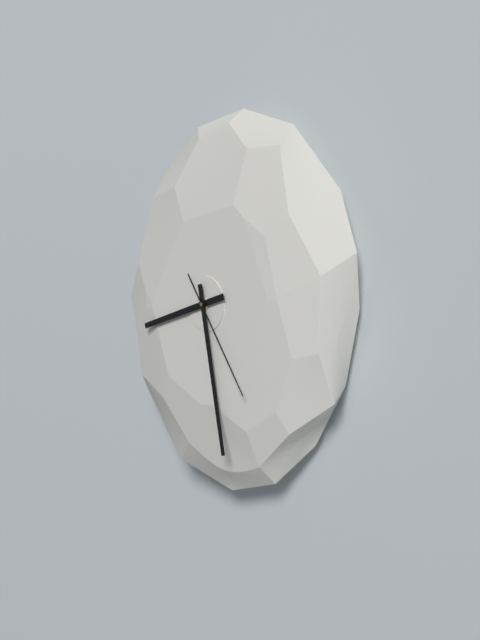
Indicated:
8 h 28 min 24 s
